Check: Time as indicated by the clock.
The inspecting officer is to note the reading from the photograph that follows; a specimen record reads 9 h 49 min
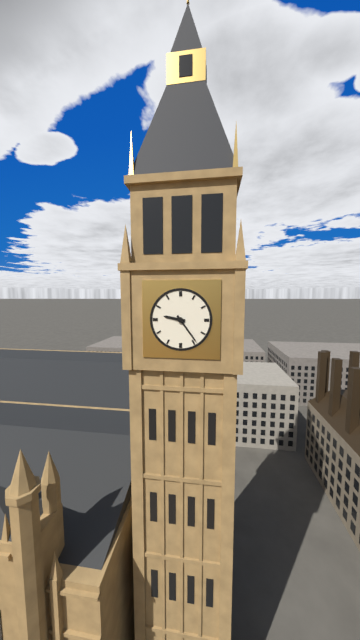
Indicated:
9 h 24 min
